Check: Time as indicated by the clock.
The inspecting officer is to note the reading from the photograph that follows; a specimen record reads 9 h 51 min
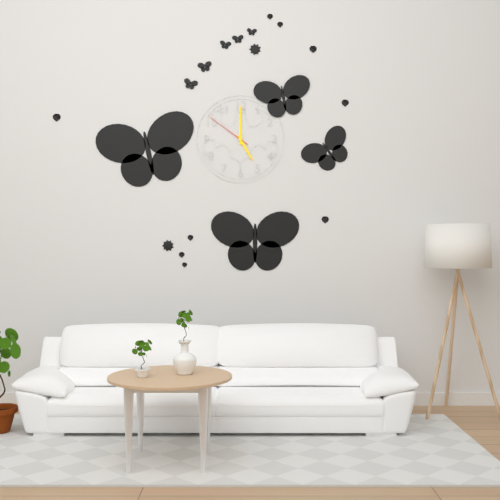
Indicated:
5 h 00 min
